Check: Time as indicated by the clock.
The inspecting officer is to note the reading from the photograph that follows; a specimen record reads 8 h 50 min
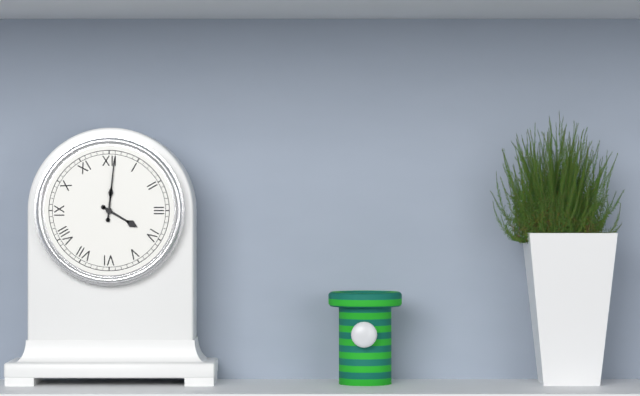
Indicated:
4 h 01 min
